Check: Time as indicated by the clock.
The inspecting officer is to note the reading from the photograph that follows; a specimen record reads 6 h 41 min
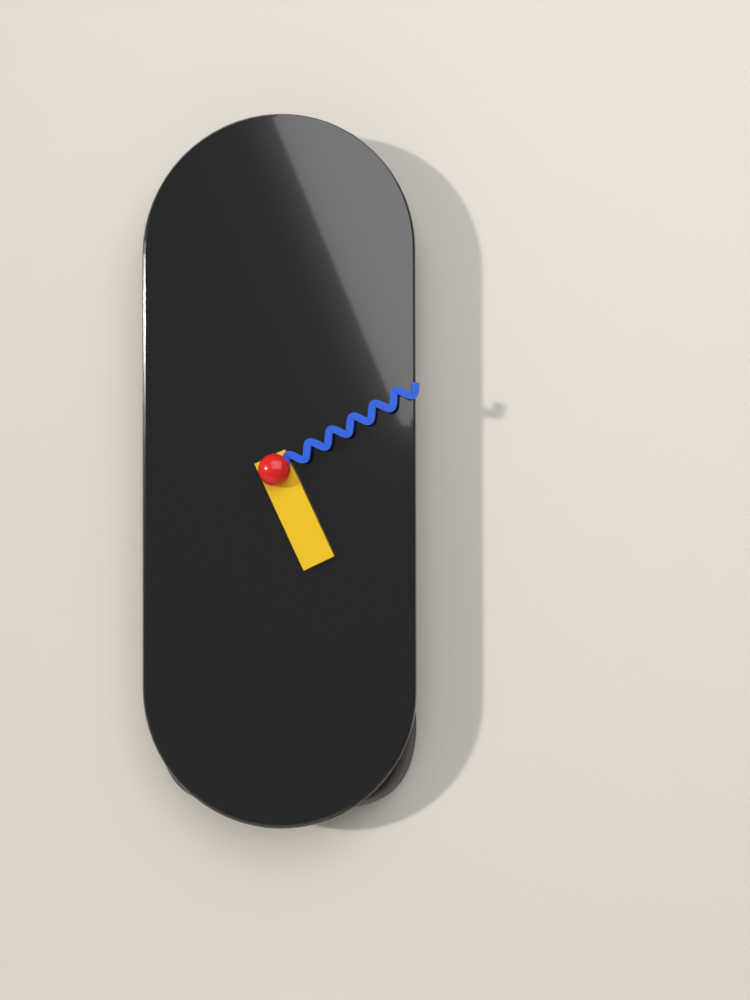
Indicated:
5 h 10 min
